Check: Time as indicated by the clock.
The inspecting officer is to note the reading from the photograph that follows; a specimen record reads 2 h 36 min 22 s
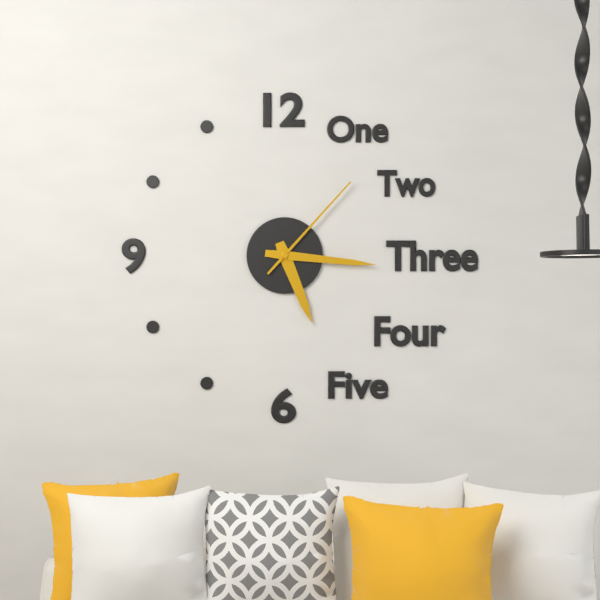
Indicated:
5 h 16 min 07 s
